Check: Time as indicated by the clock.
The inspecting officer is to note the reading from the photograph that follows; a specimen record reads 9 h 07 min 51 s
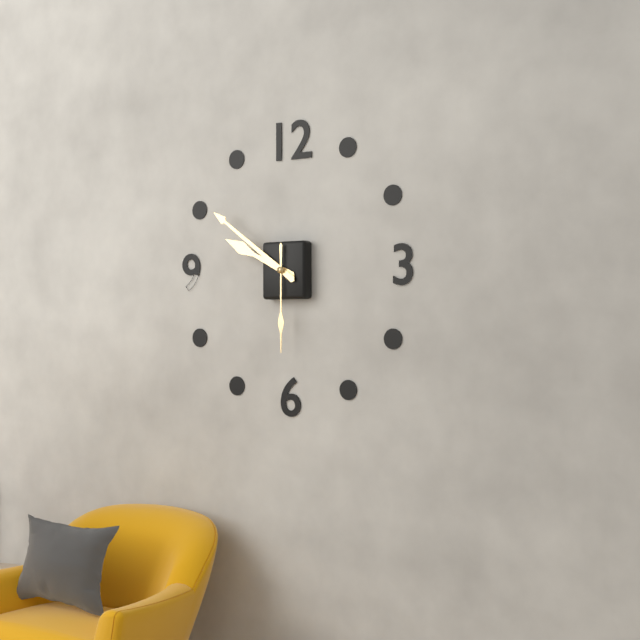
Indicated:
9 h 51 min 30 s
